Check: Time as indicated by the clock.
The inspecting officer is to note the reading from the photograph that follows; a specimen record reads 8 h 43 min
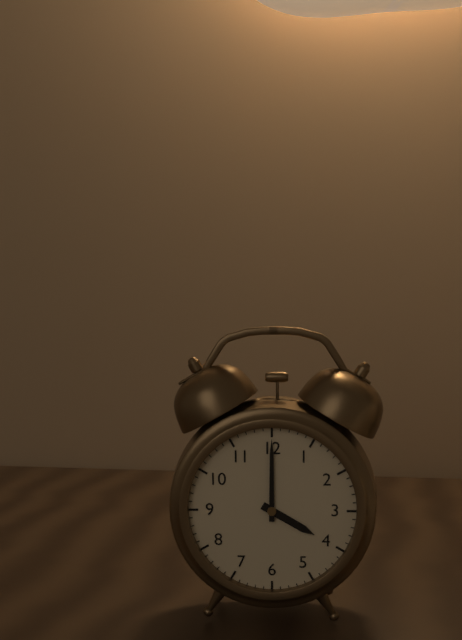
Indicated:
4 h 00 min
